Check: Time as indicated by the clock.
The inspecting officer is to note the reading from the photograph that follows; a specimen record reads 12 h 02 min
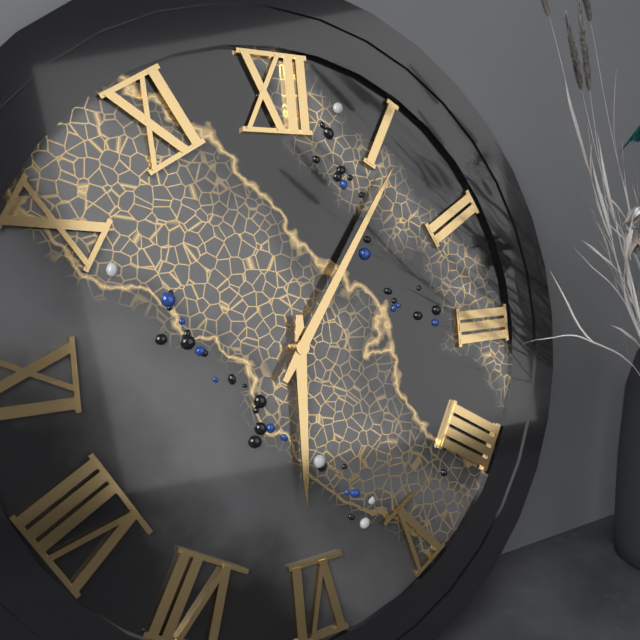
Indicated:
6 h 06 min
